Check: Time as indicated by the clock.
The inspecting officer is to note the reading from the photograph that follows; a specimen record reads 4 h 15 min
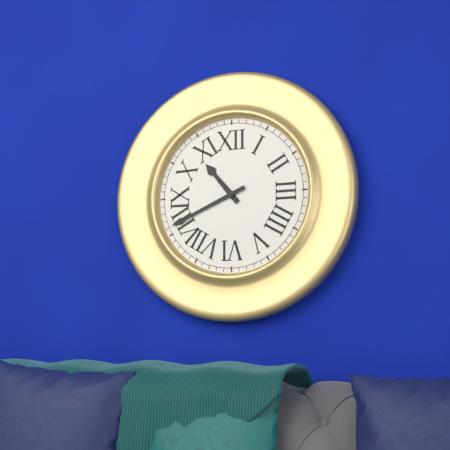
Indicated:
10 h 41 min
